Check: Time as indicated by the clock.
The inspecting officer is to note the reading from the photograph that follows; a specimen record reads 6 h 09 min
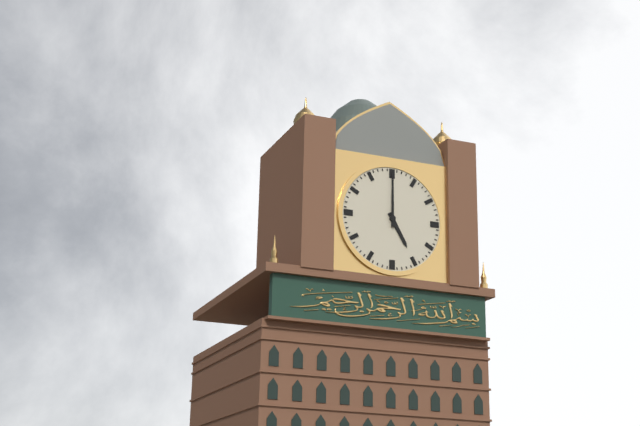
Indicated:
5 h 00 min
